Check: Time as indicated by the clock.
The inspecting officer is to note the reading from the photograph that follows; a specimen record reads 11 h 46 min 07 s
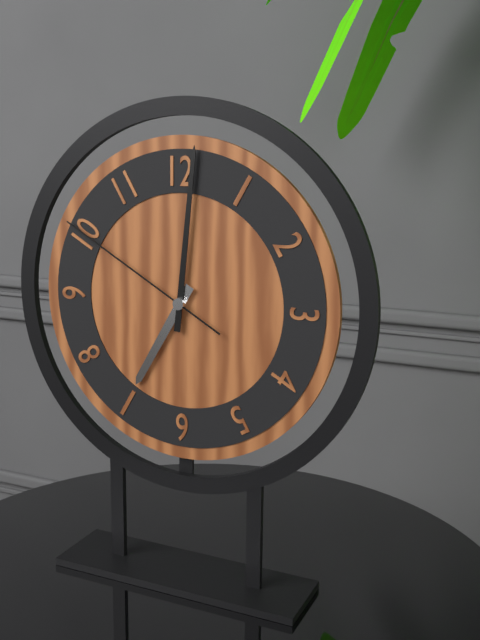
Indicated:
7 h 01 min 50 s
